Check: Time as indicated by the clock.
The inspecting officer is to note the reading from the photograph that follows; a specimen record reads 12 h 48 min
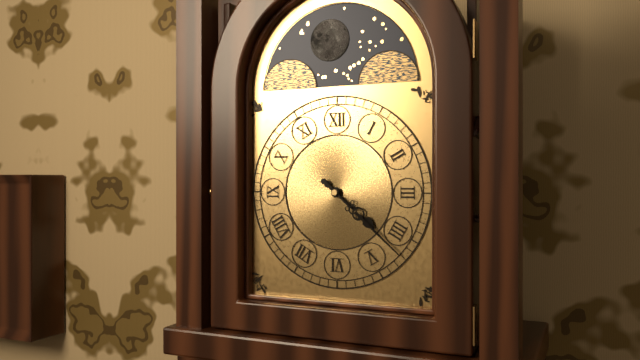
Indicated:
4 h 22 min
